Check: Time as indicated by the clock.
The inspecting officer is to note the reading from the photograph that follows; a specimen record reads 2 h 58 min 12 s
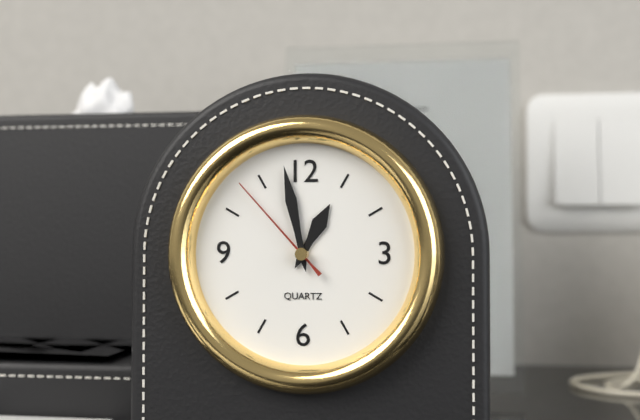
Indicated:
12 h 58 min 53 s
